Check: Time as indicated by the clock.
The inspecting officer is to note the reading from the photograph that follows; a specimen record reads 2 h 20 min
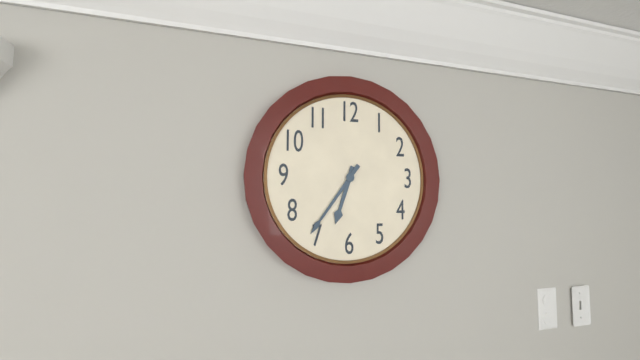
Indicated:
6 h 36 min
